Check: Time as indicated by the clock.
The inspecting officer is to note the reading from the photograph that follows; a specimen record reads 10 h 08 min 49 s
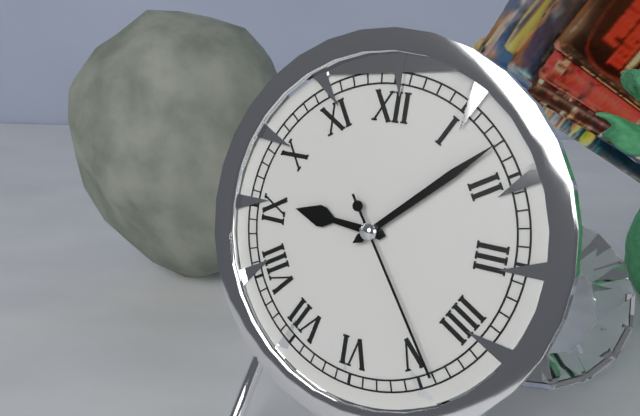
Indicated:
9 h 08 min 24 s
